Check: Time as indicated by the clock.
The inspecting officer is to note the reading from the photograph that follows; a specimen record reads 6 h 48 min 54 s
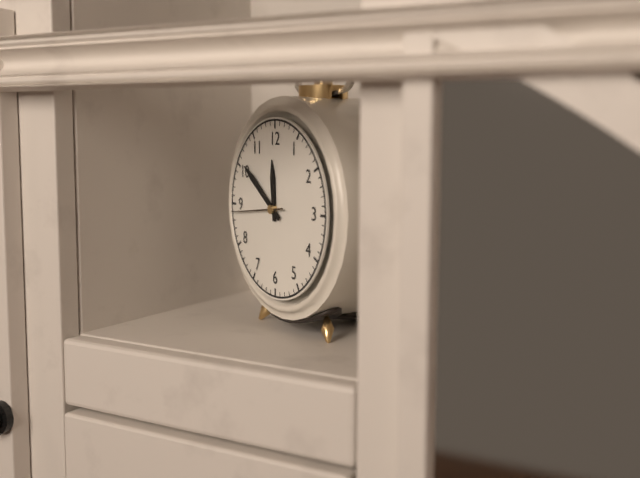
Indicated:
11 h 51 min 44 s
